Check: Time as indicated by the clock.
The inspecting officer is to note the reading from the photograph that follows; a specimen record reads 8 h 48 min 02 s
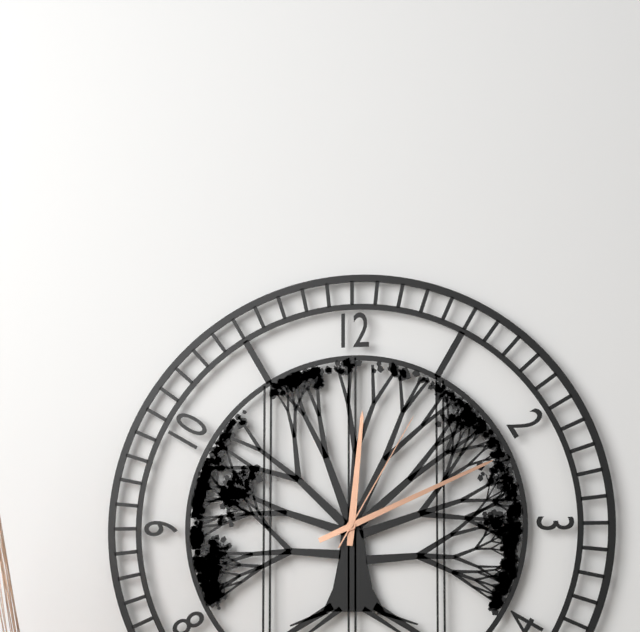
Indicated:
12 h 11 min 05 s
